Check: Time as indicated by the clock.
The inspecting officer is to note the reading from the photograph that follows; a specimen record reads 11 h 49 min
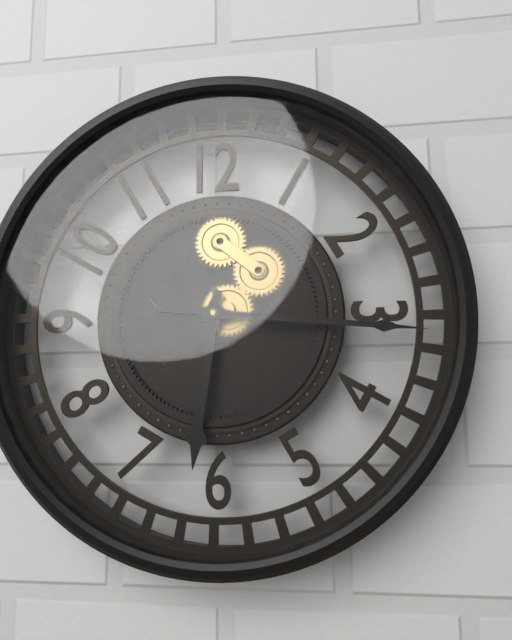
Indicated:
6 h 16 min
